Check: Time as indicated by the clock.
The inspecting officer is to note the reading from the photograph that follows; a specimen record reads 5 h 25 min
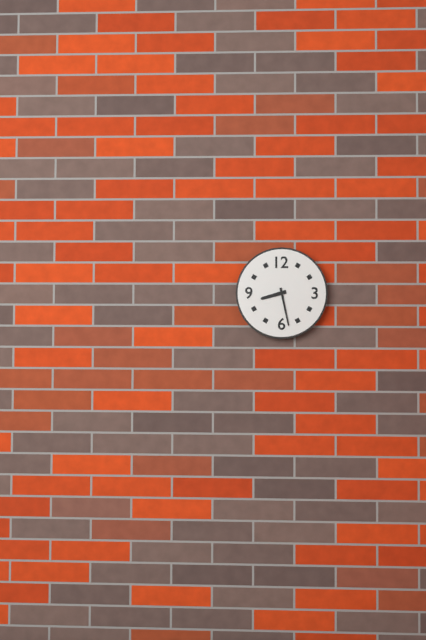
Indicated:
8 h 28 min
